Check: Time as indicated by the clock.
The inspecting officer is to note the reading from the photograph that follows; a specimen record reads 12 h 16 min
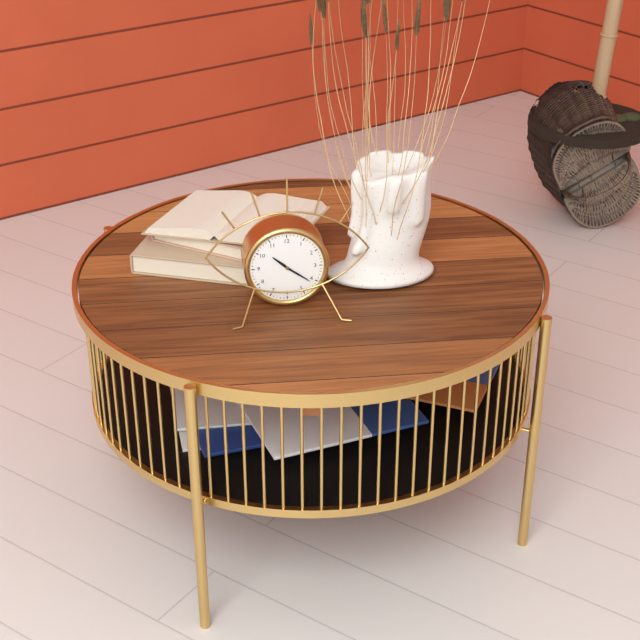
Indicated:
10 h 21 min
